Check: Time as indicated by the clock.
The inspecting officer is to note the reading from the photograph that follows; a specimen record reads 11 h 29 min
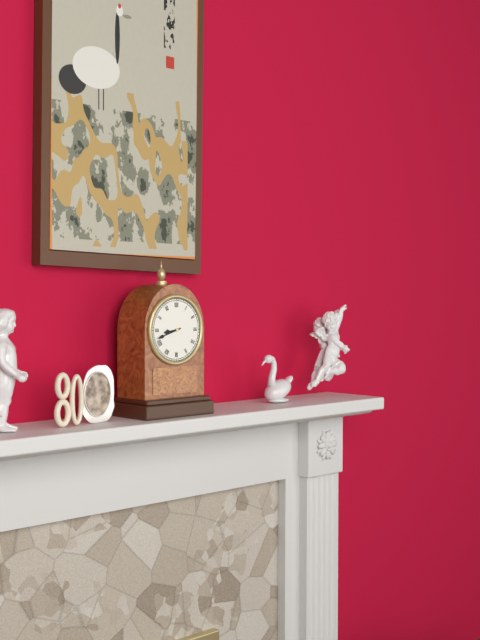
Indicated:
8 h 42 min
